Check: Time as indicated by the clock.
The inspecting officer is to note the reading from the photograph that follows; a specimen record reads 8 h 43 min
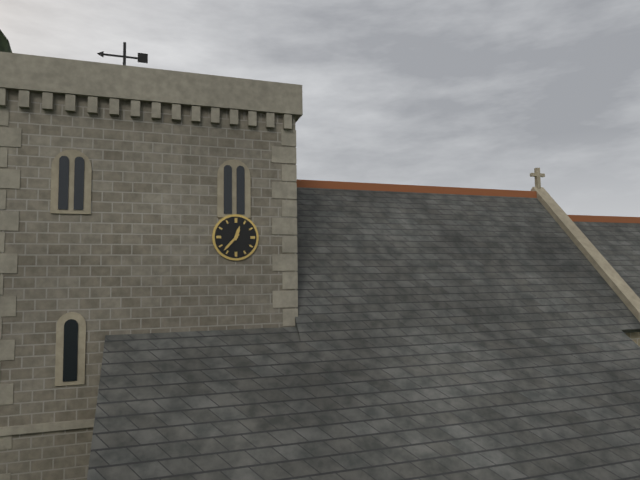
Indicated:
12 h 37 min
